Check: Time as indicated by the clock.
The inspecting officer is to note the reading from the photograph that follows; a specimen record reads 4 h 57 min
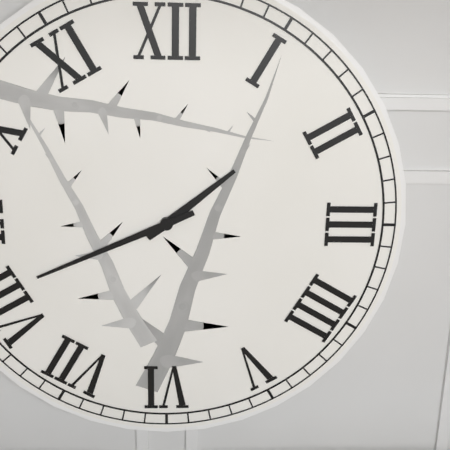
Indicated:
1 h 41 min
